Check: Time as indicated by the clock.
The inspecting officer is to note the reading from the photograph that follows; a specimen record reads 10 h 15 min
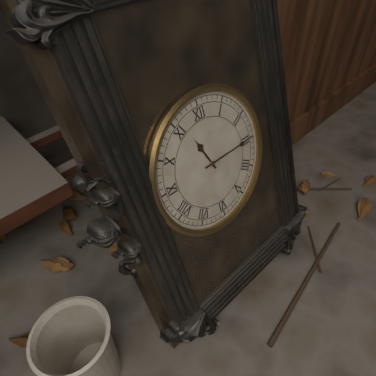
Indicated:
11 h 15 min
